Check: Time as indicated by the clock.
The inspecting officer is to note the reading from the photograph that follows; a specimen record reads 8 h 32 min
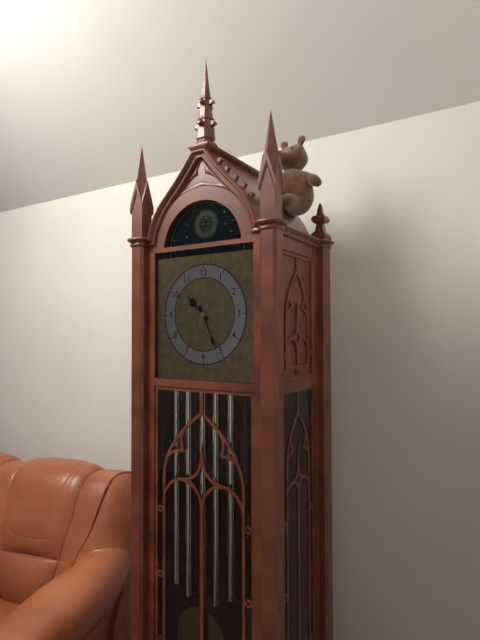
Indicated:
10 h 26 min
